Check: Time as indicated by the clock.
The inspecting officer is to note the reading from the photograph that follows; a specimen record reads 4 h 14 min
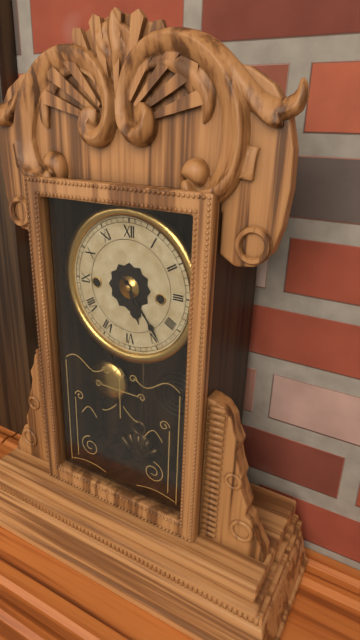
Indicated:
5 h 24 min
